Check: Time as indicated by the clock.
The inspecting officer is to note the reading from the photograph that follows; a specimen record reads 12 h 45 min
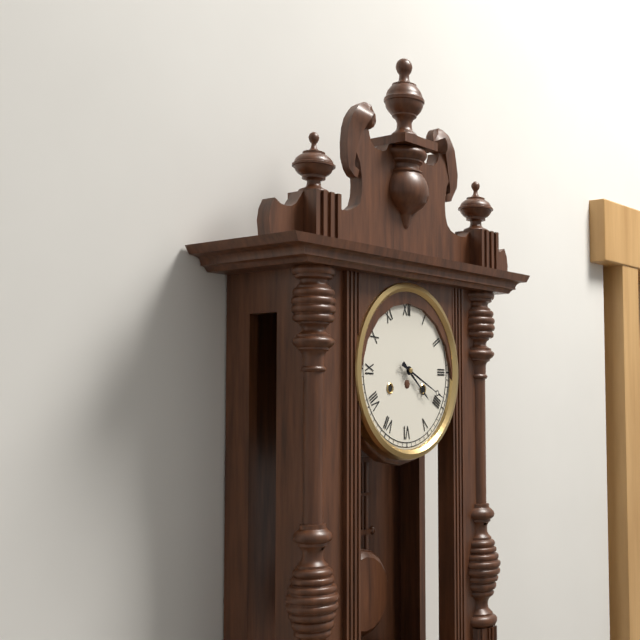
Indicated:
4 h 19 min
